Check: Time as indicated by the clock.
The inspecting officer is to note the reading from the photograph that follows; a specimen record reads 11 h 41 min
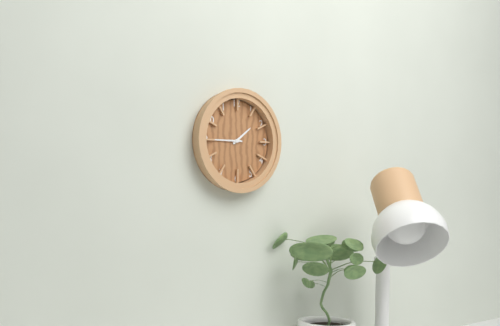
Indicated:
1 h 45 min
